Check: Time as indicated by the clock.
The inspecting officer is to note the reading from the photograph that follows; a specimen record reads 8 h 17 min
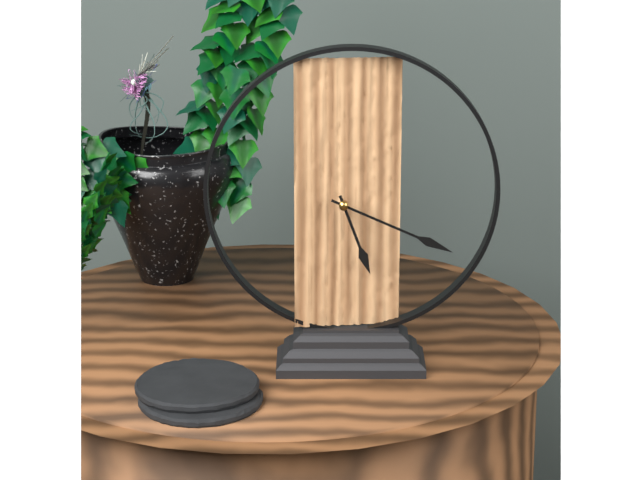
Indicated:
5 h 19 min
